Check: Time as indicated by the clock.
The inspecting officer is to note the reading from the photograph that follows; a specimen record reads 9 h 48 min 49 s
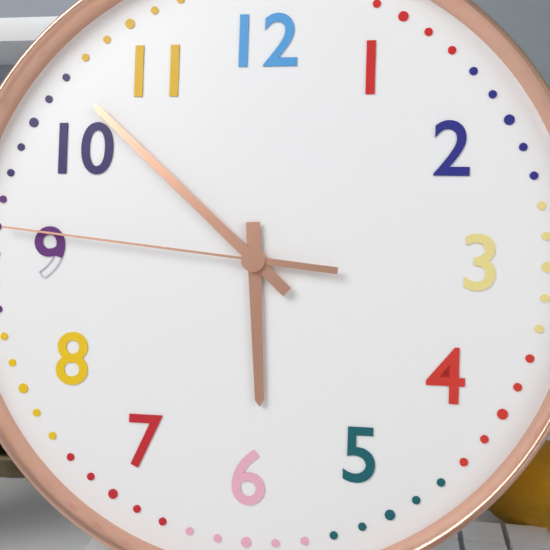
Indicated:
5 h 52 min 46 s
